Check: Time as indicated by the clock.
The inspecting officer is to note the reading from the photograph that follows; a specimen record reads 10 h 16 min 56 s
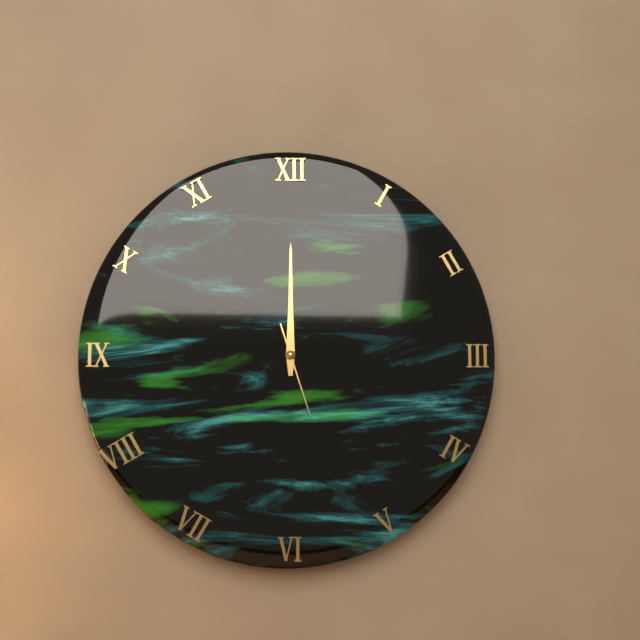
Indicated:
12 h 00 min 27 s
